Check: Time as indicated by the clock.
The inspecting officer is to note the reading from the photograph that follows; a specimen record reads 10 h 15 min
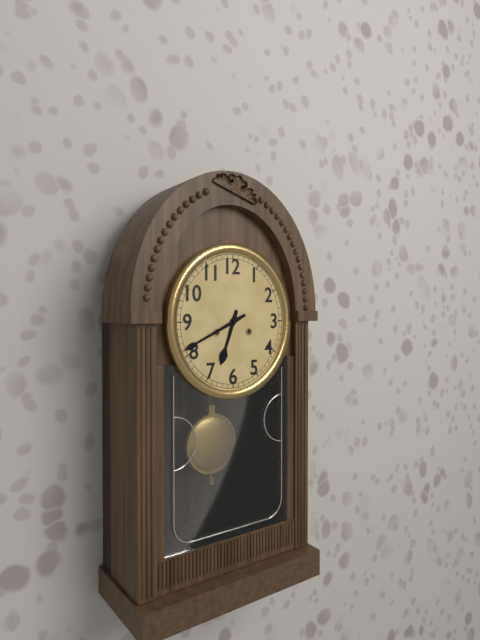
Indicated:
6 h 41 min
